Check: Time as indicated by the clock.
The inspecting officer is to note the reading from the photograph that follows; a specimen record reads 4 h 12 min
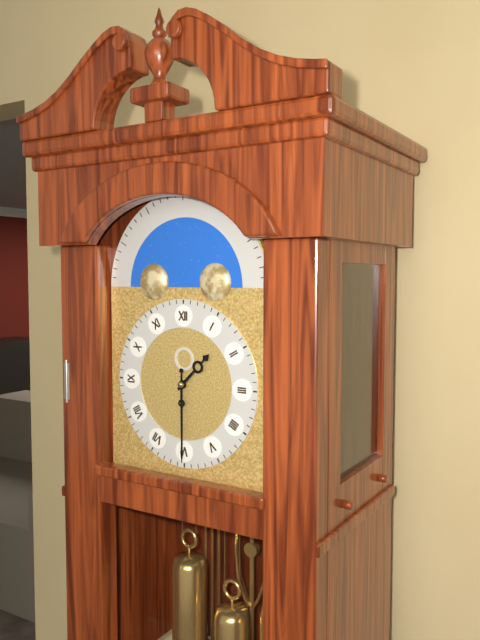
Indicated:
1 h 30 min
